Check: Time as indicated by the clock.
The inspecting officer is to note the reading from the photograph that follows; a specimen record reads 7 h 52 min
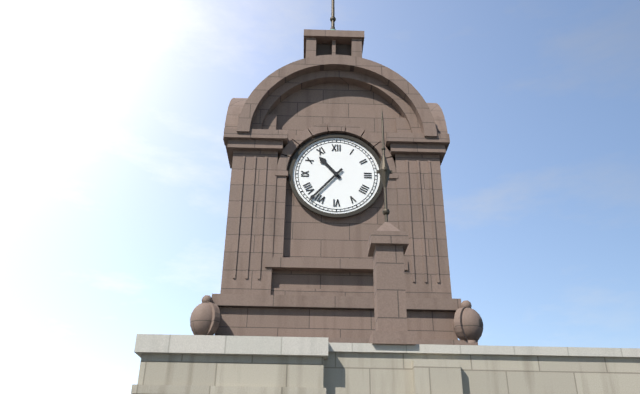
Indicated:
10 h 37 min
